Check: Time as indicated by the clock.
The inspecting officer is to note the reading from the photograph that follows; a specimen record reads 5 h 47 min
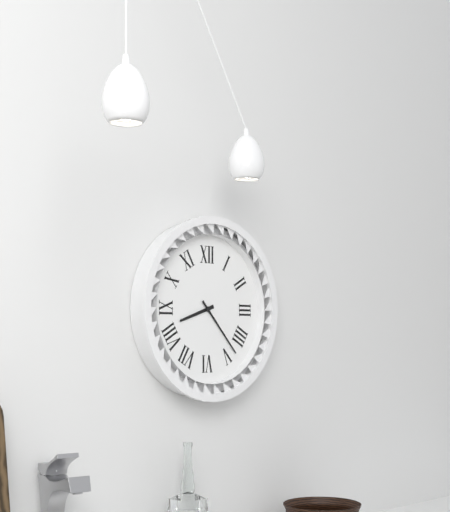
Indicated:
8 h 23 min
